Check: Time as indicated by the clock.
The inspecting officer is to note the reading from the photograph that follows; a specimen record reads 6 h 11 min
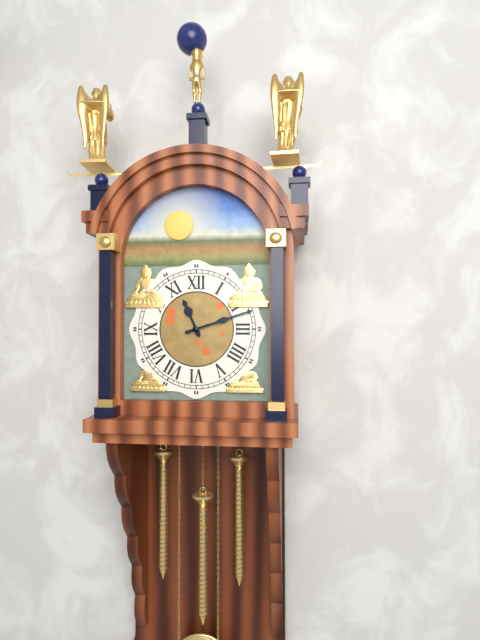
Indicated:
11 h 12 min
